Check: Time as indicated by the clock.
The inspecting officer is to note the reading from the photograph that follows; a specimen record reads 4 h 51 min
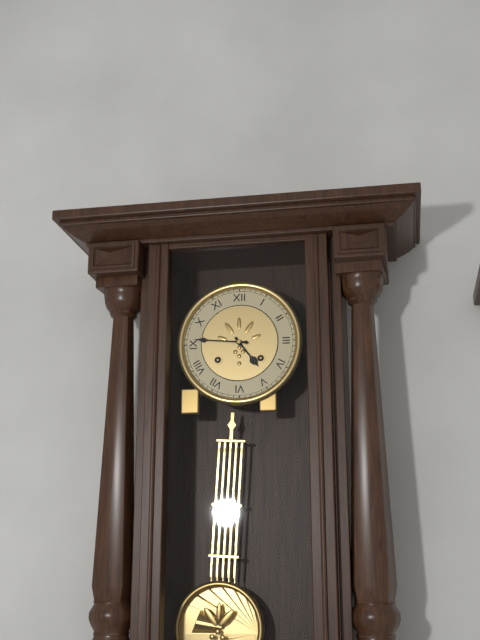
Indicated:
4 h 46 min
